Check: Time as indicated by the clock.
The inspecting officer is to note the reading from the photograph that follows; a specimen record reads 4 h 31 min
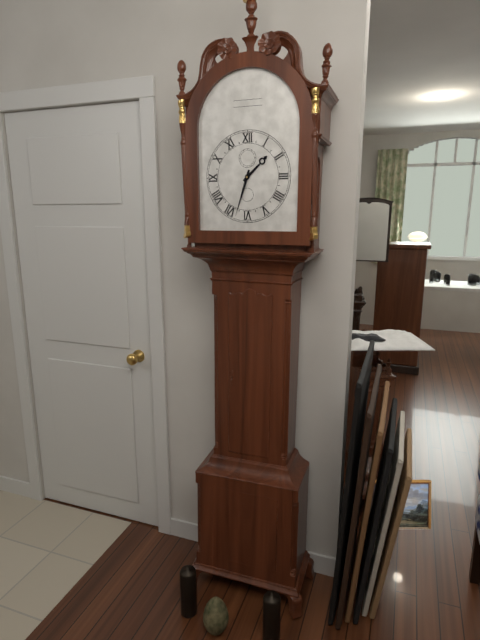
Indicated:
1 h 33 min
